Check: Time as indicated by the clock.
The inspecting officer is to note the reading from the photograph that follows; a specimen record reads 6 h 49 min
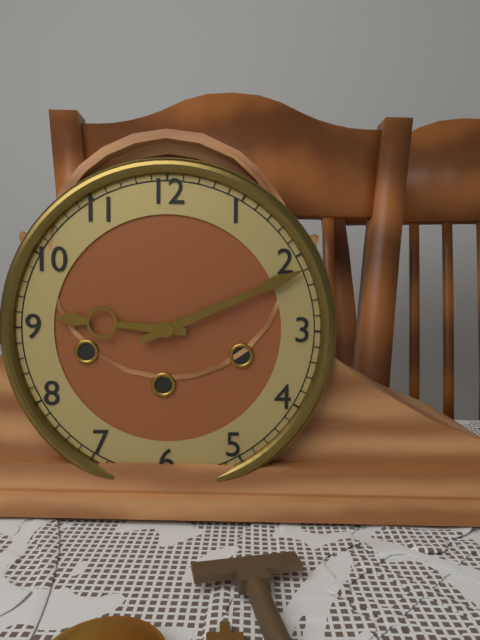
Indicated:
9 h 11 min
